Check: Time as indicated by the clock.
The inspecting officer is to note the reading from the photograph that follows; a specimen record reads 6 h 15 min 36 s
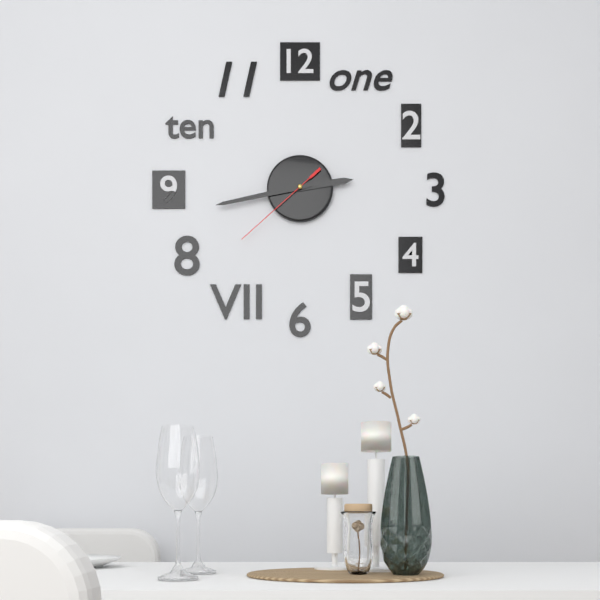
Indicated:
2 h 43 min 38 s
